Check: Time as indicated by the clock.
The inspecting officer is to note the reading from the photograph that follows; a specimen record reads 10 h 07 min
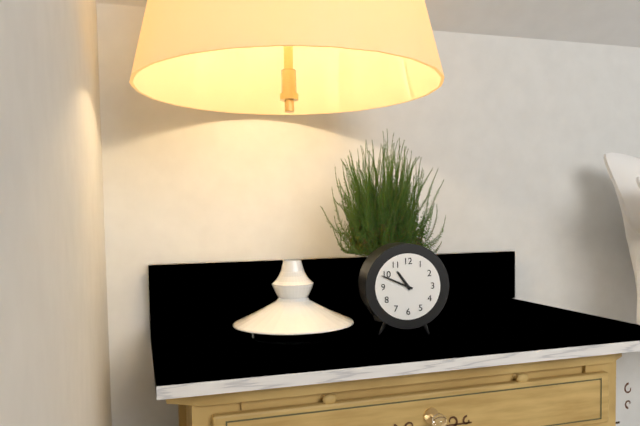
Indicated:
10 h 49 min
